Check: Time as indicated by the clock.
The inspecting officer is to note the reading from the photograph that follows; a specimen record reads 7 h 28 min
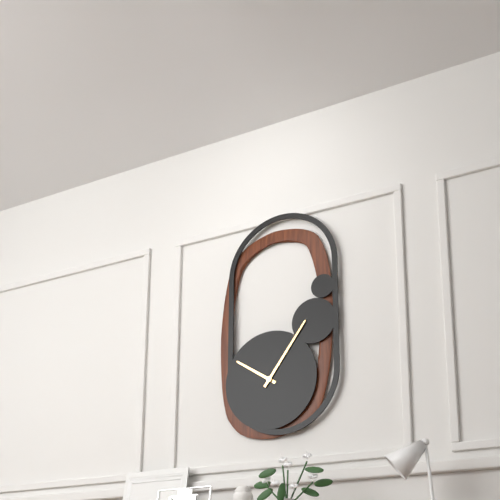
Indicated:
10 h 06 min
